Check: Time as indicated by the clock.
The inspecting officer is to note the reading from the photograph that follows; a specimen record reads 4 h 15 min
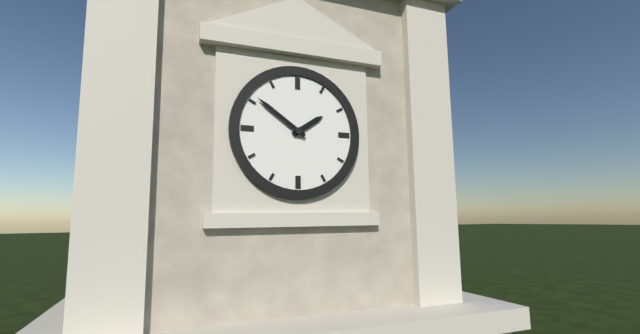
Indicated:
1 h 51 min
